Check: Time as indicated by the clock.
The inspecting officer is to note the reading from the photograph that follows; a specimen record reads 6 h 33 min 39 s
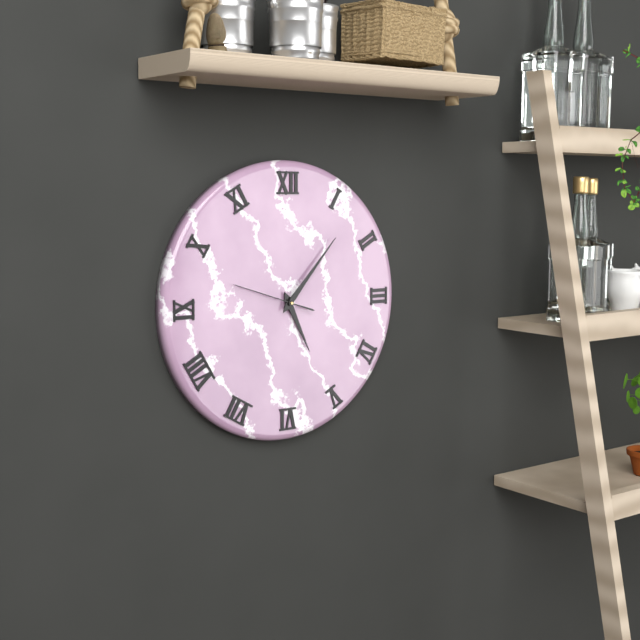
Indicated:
5 h 07 min 48 s
